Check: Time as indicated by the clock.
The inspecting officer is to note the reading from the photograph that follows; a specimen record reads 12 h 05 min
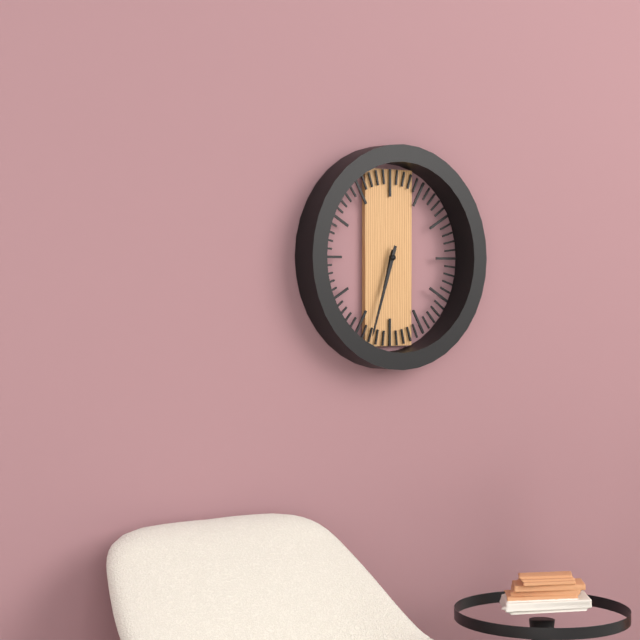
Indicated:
6 h 33 min
